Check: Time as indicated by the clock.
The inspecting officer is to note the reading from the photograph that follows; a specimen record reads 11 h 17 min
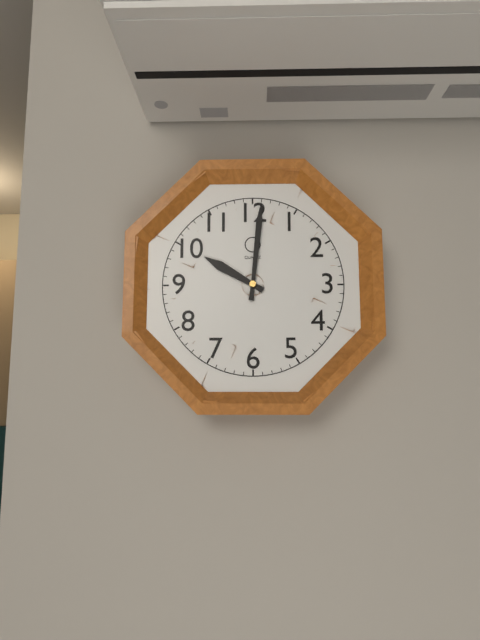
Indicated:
10 h 01 min
